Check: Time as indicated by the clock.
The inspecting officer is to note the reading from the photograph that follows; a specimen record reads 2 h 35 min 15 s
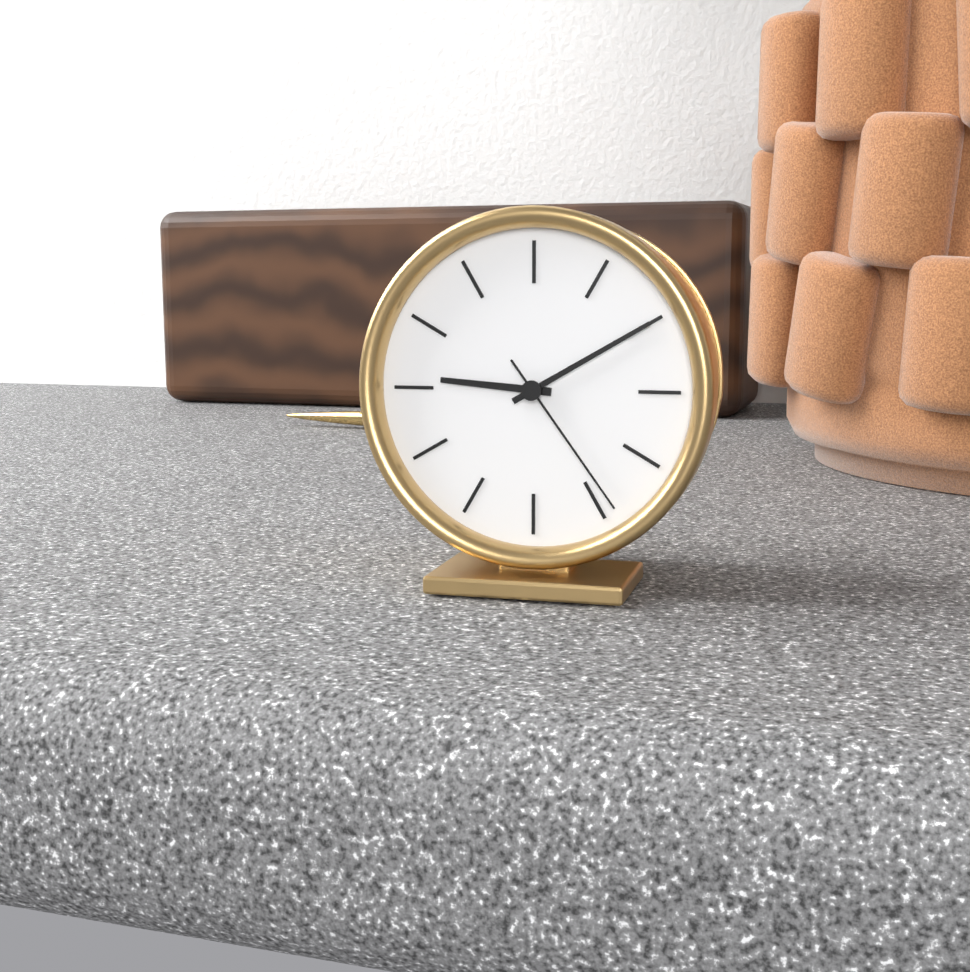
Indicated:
9 h 10 min 24 s
